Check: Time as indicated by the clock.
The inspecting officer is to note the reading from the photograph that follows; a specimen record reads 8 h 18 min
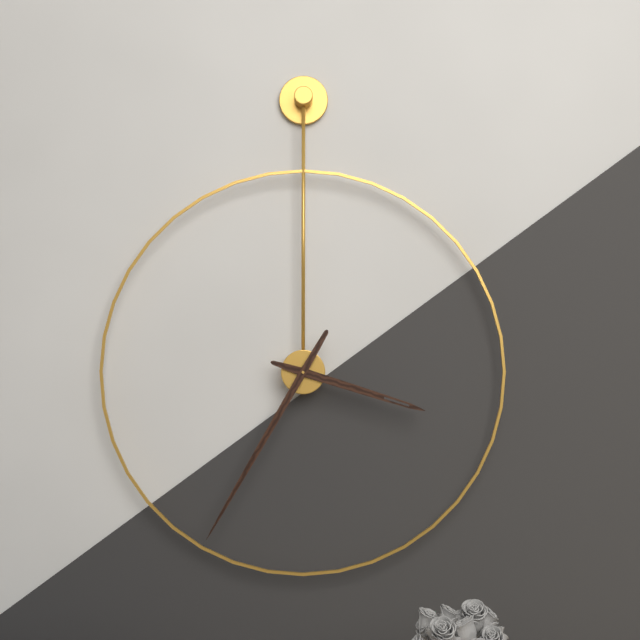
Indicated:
3 h 35 min
